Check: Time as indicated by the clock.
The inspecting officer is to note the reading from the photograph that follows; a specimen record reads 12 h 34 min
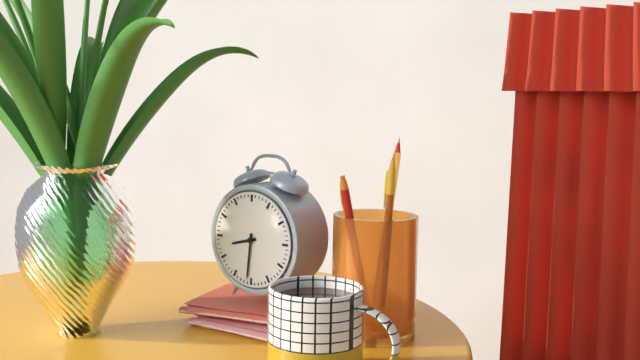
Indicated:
8 h 31 min
